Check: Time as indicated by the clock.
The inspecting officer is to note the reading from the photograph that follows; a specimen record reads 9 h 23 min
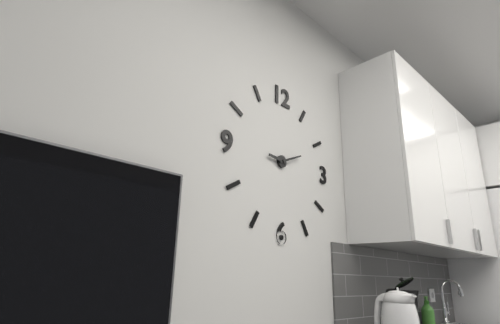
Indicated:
9 h 11 min
